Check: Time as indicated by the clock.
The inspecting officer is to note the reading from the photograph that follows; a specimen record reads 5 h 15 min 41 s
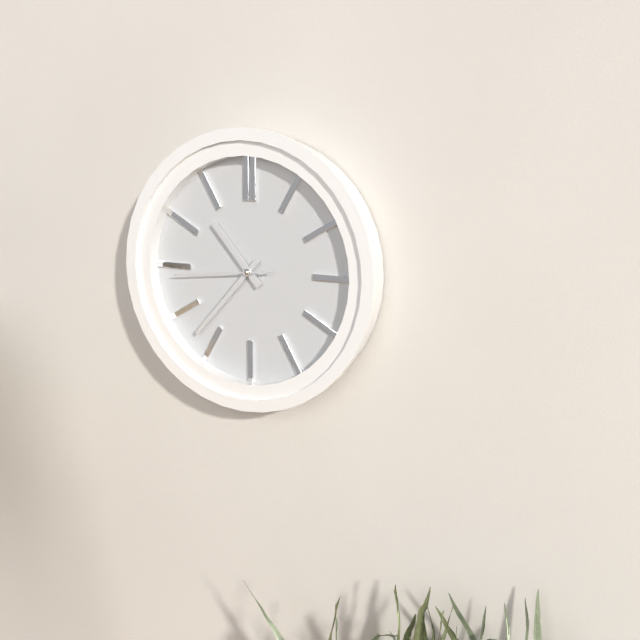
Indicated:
10 h 37 min 44 s
